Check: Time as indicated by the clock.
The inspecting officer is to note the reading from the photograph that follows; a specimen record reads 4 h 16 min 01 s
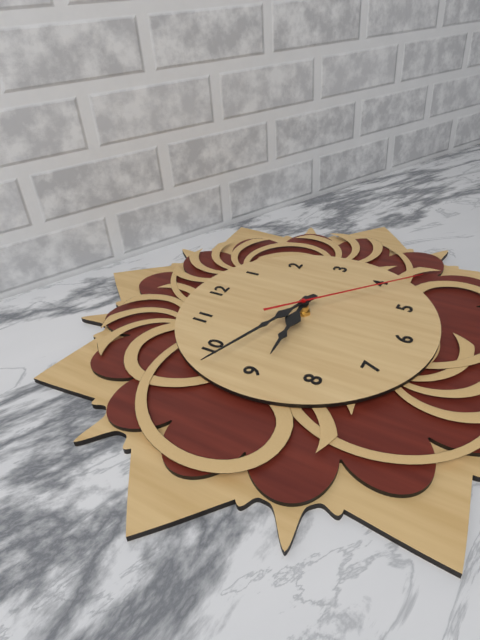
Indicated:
8 h 48 min 22 s
